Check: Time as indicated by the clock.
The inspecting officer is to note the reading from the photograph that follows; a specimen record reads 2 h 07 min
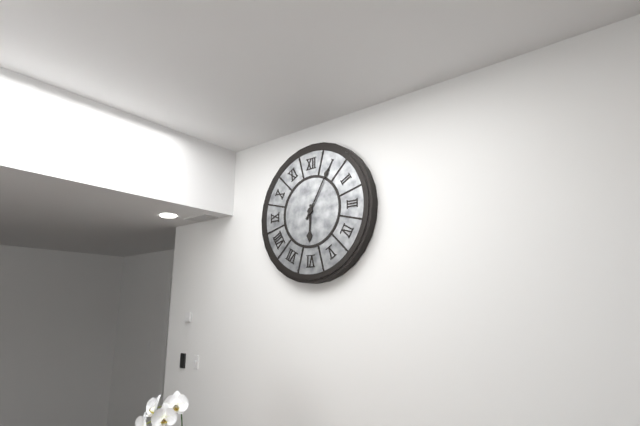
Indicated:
6 h 05 min
